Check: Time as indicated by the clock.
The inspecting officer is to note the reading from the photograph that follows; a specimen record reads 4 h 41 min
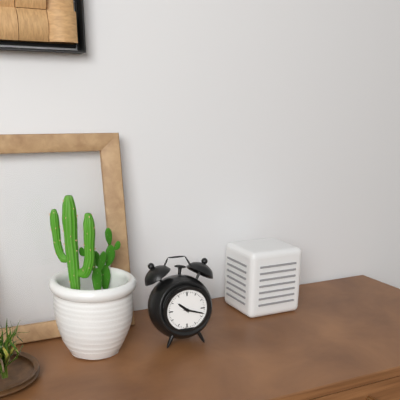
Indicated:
10 h 18 min
